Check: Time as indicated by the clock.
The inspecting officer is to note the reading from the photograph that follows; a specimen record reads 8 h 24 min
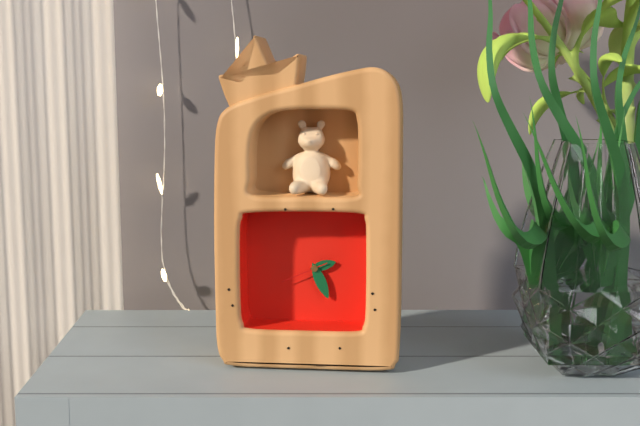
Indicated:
2 h 26 min
